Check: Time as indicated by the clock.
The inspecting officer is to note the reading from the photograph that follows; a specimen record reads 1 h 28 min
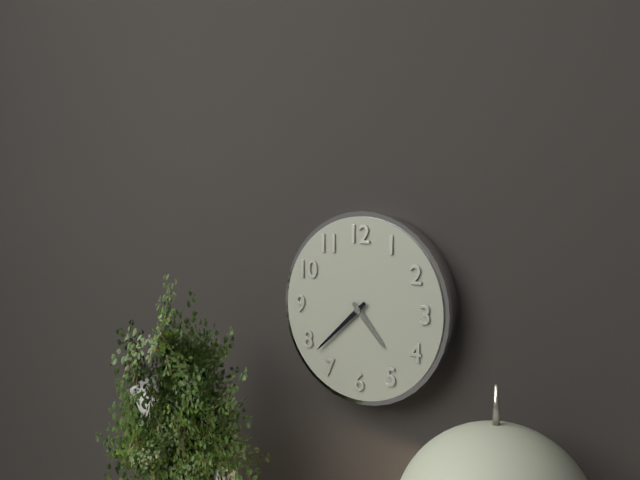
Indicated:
4 h 38 min
